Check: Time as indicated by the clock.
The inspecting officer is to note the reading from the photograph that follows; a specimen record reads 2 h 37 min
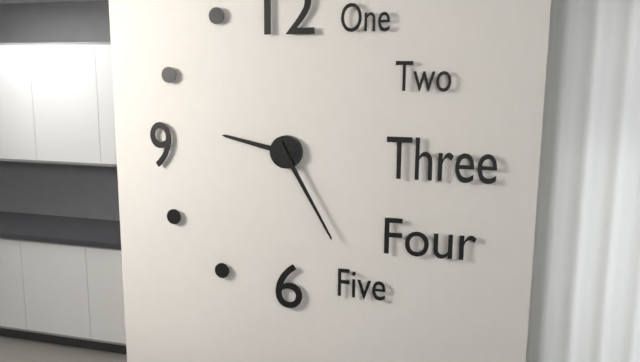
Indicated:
9 h 25 min
